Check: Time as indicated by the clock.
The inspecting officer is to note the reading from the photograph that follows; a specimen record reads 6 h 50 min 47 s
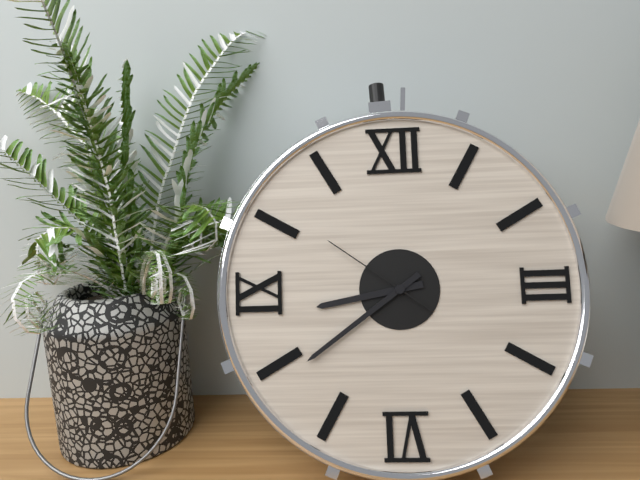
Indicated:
8 h 39 min 51 s
